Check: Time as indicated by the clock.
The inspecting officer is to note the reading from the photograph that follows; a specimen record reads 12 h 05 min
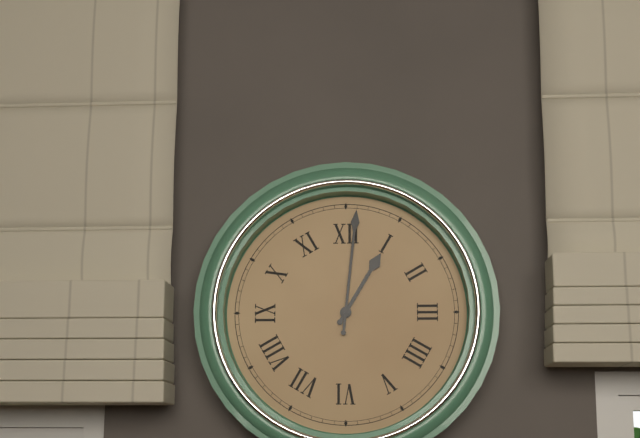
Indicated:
1 h 01 min
